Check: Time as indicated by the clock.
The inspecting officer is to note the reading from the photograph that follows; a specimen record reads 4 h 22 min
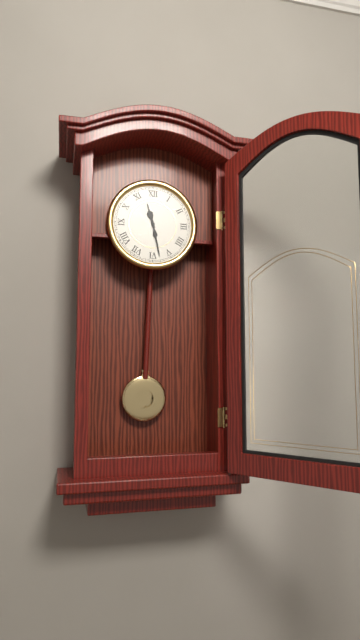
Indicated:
11 h 28 min
